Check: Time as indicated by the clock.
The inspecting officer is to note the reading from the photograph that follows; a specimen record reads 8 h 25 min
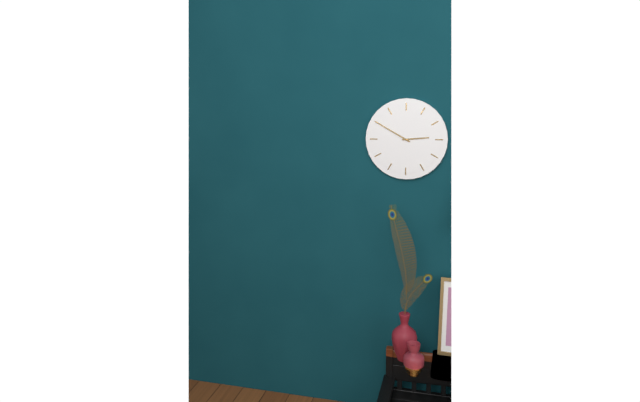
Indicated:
2 h 50 min
